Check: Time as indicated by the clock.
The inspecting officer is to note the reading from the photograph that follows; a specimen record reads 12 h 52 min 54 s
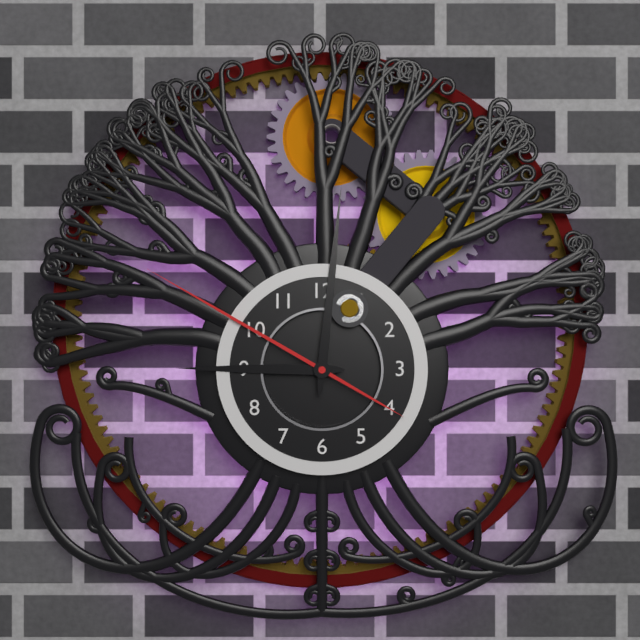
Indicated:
9 h 01 min 50 s
